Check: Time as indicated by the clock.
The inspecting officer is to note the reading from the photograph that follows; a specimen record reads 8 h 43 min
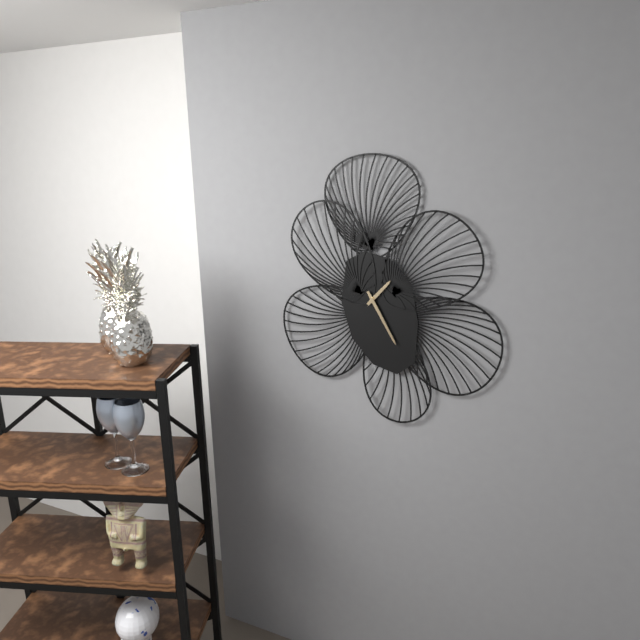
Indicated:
1 h 25 min
